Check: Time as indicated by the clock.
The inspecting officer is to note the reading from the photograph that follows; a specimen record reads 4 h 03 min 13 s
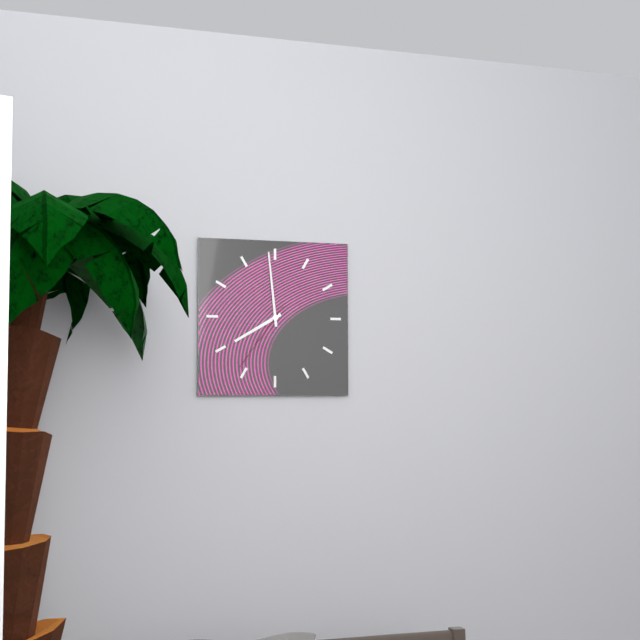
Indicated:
7 h 59 min 36 s
